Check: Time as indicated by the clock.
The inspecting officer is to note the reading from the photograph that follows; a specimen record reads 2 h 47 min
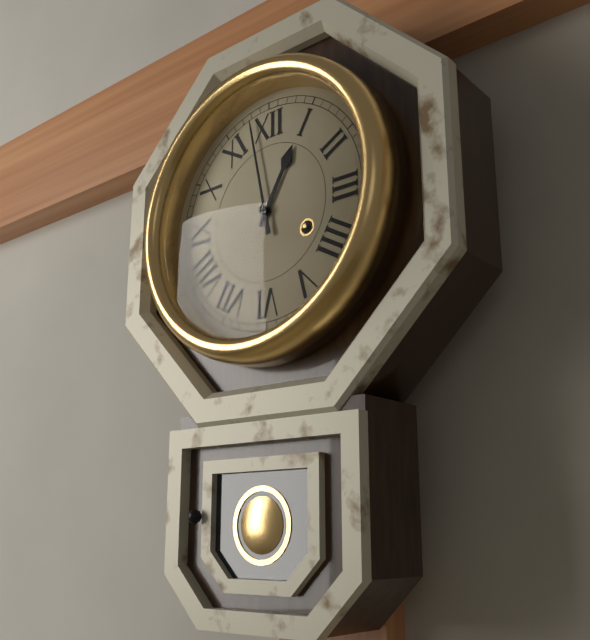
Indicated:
12 h 58 min
